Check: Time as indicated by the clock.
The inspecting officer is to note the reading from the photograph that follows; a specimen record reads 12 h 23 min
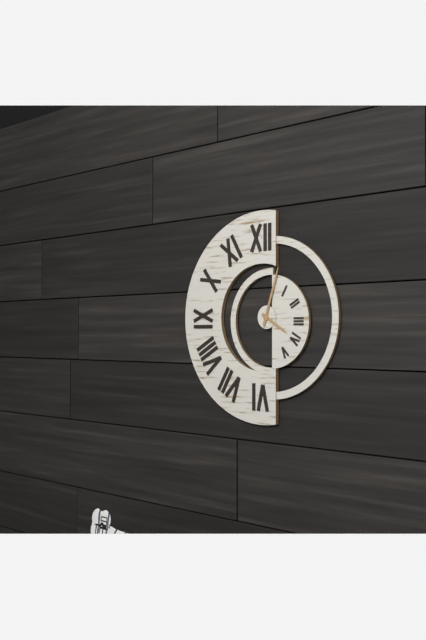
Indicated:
4 h 03 min
